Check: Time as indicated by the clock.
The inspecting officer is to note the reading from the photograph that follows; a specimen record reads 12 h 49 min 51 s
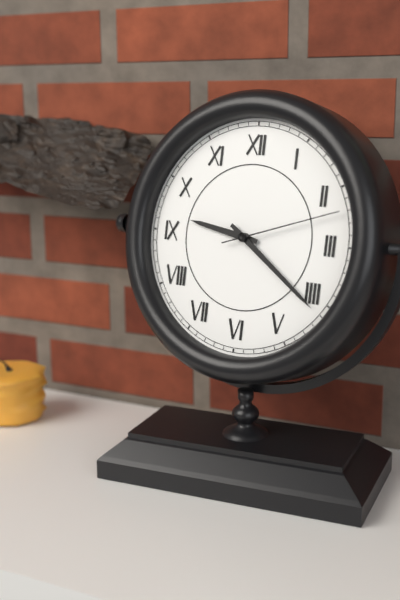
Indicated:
9 h 21 min 12 s
